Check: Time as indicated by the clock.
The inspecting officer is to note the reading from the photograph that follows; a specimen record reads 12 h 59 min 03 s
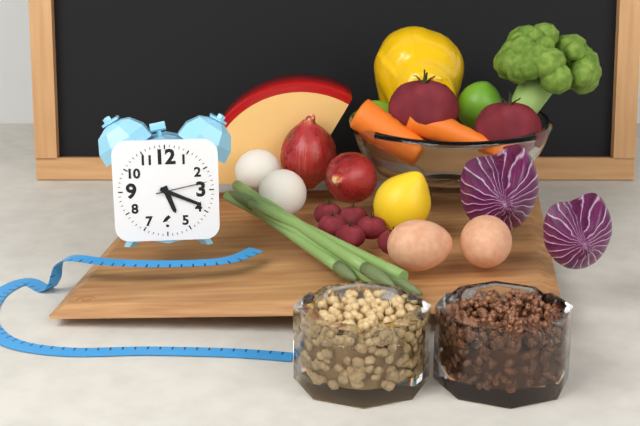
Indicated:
5 h 19 min 13 s
